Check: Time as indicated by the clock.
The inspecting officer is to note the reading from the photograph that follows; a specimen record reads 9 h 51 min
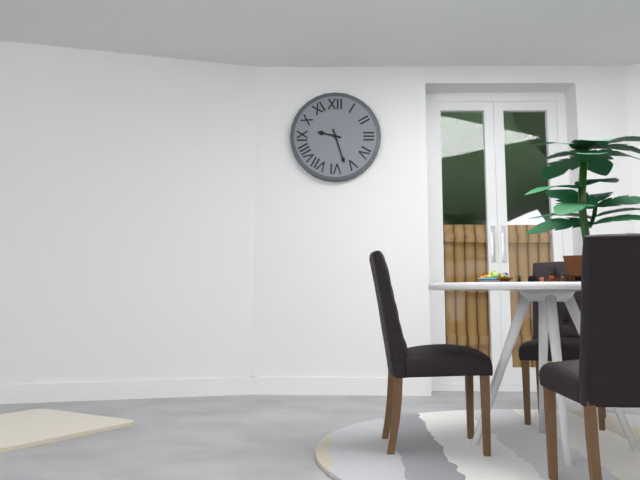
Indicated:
9 h 27 min
